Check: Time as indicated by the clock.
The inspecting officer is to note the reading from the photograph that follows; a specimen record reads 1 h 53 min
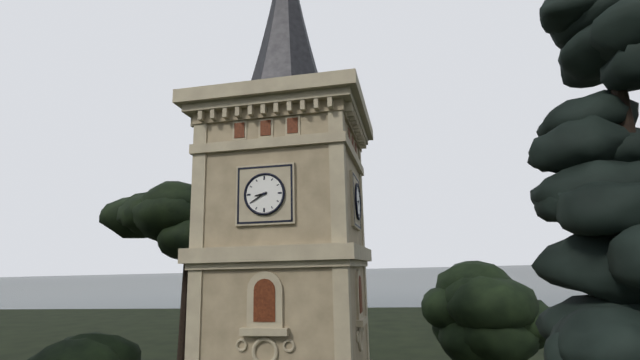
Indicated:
8 h 40 min
